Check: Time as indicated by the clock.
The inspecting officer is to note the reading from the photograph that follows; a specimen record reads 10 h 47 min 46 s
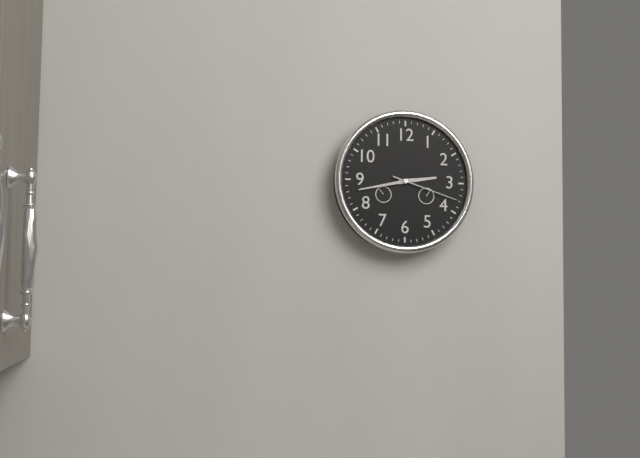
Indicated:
2 h 43 min 18 s
